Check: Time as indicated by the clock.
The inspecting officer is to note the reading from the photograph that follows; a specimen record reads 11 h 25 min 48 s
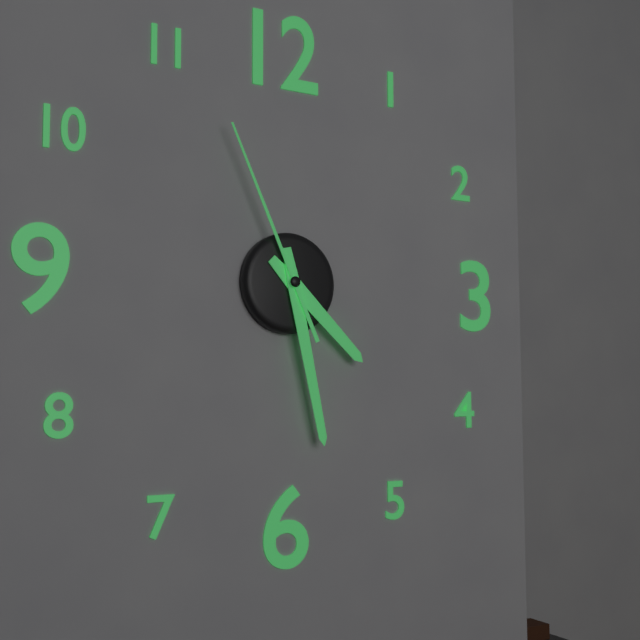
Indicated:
4 h 28 min 56 s
